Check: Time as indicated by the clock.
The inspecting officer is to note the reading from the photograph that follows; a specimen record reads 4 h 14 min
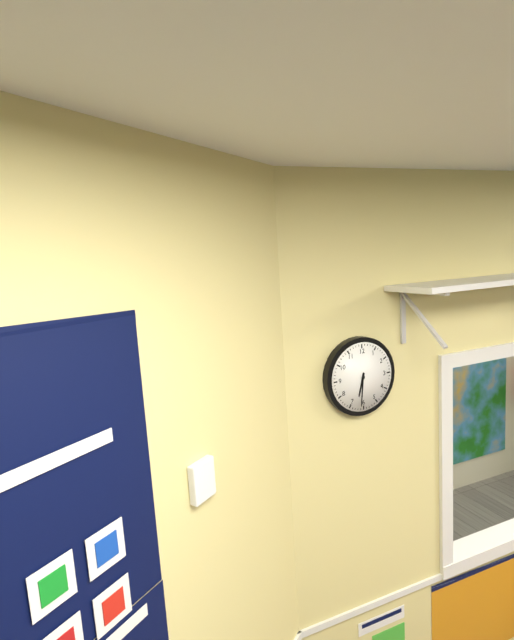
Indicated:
6 h 31 min
